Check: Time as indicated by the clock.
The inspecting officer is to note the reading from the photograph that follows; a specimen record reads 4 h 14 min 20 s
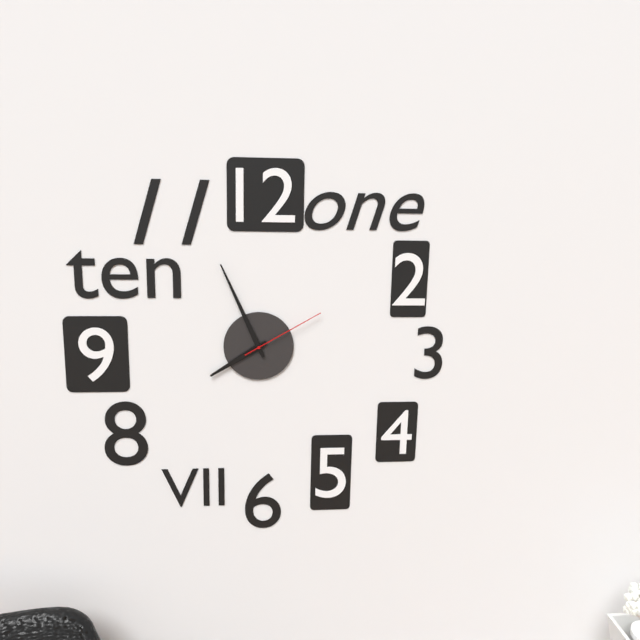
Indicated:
7 h 56 min 10 s
